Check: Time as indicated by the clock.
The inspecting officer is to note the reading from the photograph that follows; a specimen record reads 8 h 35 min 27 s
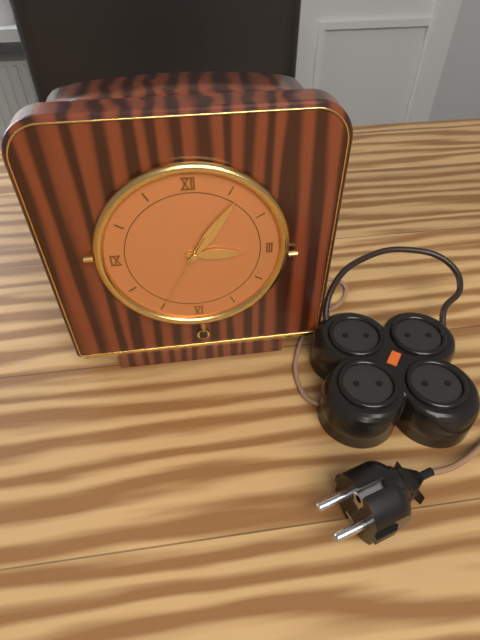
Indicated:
3 h 06 min 35 s
